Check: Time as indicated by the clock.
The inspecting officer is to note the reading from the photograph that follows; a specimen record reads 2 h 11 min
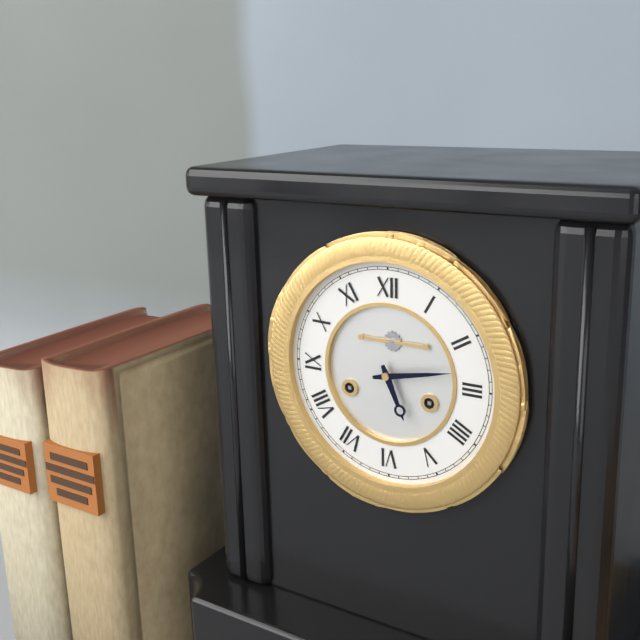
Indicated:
5 h 13 min
